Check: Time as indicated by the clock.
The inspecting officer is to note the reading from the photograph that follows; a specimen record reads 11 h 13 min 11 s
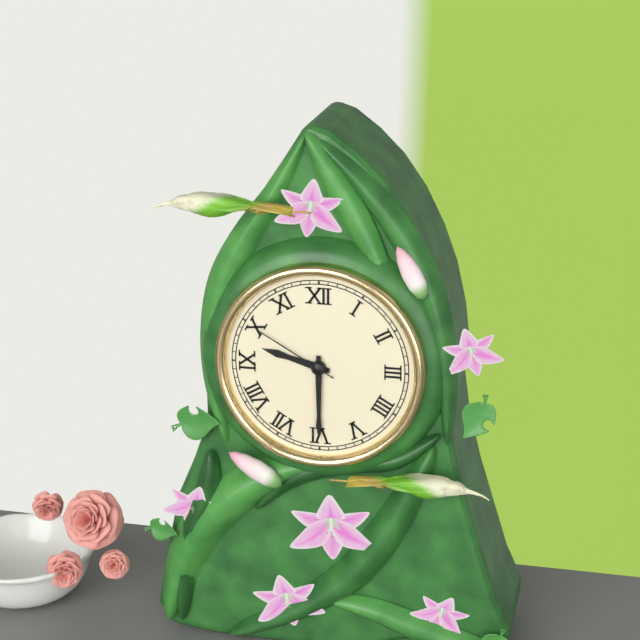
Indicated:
9 h 30 min 50 s
